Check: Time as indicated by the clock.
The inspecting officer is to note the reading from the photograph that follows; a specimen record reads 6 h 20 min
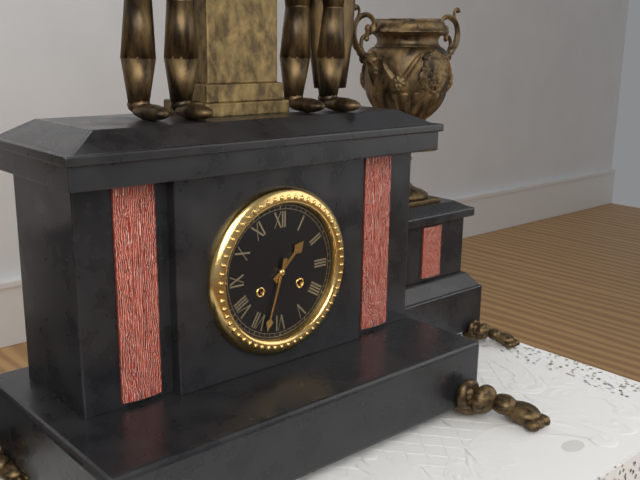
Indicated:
1 h 33 min
